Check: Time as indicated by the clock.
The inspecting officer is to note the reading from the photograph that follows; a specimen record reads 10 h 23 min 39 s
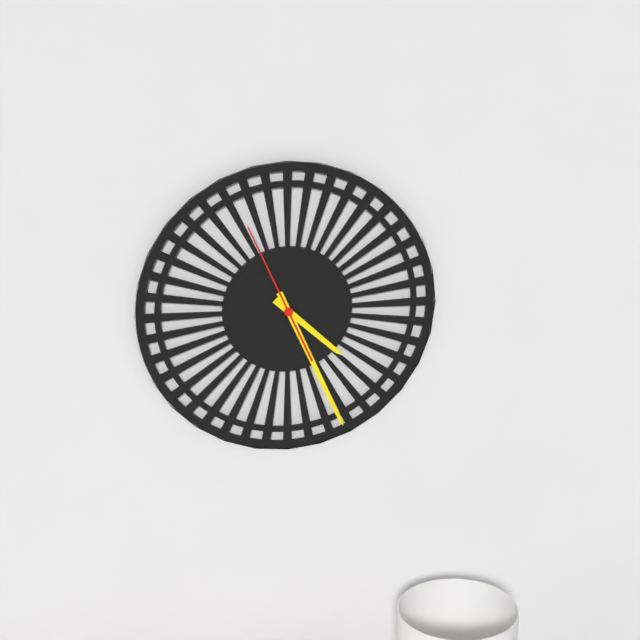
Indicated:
4 h 26 min 56 s
